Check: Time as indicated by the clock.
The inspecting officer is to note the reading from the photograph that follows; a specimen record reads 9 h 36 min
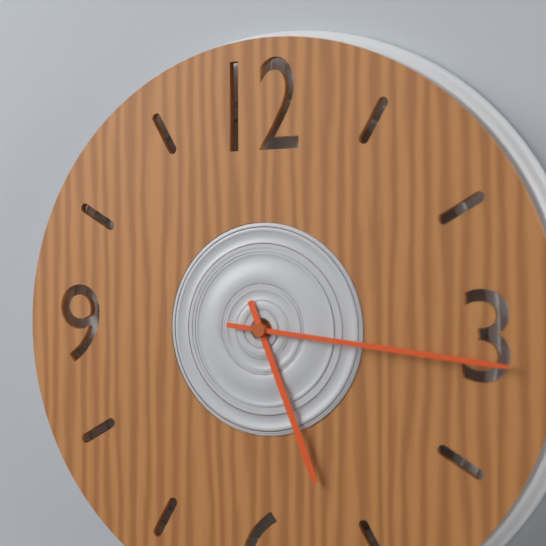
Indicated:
5 h 16 min
